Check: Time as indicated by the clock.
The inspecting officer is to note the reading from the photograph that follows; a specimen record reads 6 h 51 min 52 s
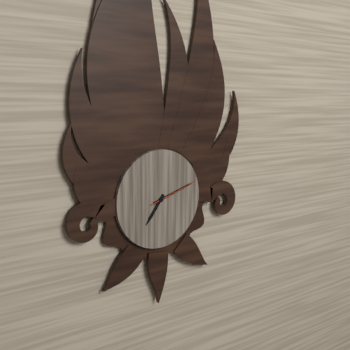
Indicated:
7 h 12 min 12 s
